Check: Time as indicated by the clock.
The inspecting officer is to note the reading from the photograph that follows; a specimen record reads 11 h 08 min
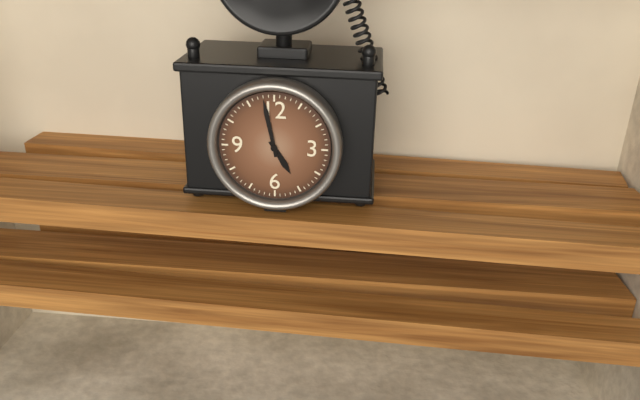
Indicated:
4 h 58 min
